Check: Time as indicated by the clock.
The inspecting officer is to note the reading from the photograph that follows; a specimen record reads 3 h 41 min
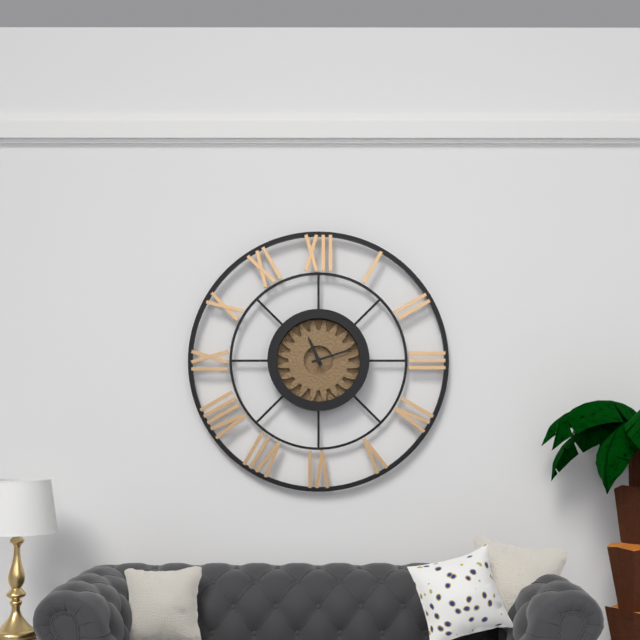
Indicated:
11 h 12 min
